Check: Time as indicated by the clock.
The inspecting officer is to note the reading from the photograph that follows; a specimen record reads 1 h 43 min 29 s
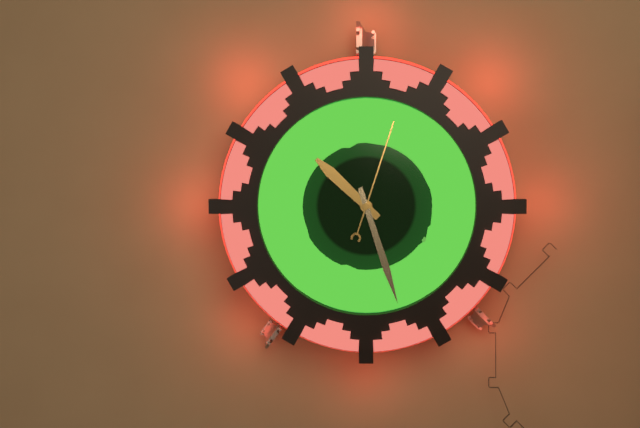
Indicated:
10 h 27 min 03 s
